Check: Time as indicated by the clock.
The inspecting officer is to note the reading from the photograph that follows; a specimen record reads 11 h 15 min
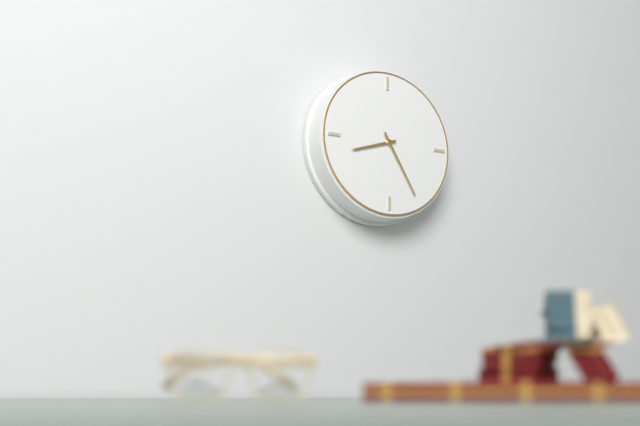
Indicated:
8 h 25 min
